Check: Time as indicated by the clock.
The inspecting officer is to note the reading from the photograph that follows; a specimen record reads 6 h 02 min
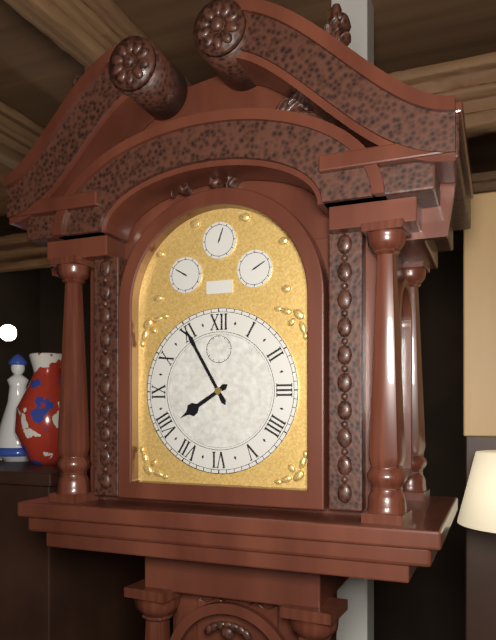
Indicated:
7 h 55 min
